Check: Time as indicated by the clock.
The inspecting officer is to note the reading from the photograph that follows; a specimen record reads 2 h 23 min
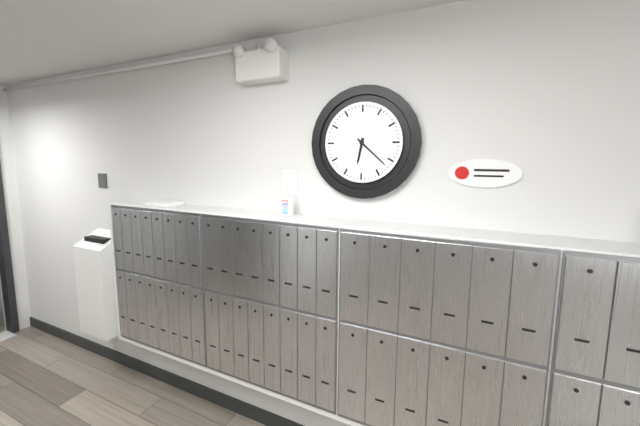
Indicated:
6 h 22 min
